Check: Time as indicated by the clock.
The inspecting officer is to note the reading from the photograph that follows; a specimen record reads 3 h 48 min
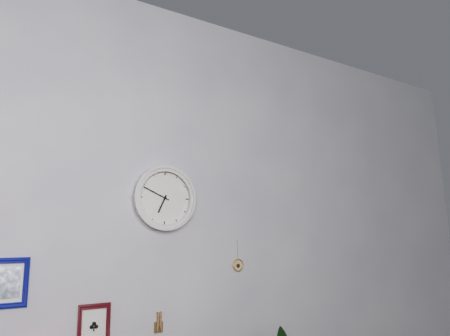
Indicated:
6 h 49 min
